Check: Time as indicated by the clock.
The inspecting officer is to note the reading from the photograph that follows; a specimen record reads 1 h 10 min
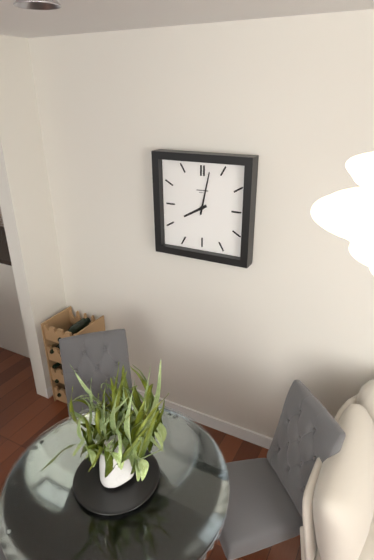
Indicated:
8 h 02 min
